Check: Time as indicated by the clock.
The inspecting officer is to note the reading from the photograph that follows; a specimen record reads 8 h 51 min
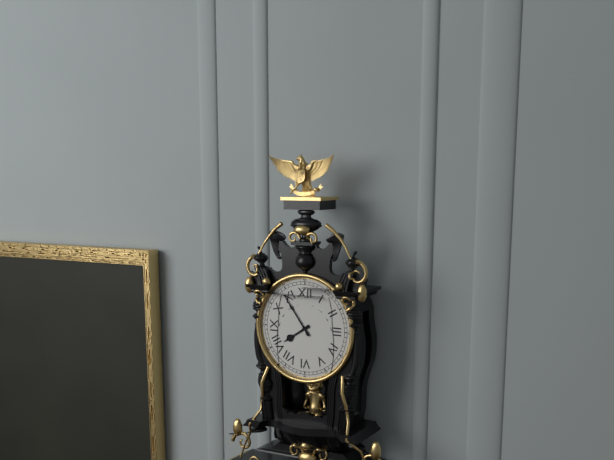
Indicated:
7 h 54 min
